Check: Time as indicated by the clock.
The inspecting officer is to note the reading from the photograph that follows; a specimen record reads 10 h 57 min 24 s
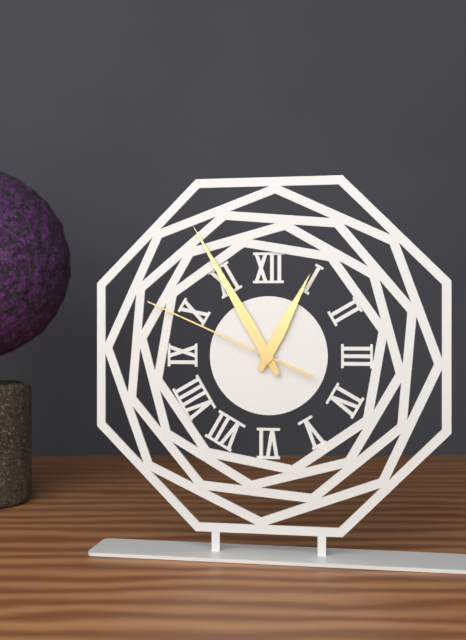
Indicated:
12 h 55 min 49 s
